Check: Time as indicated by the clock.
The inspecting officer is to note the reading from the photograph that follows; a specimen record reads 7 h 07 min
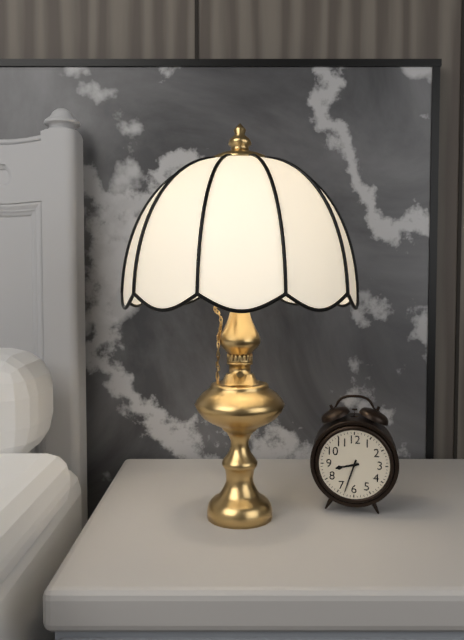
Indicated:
8 h 33 min
